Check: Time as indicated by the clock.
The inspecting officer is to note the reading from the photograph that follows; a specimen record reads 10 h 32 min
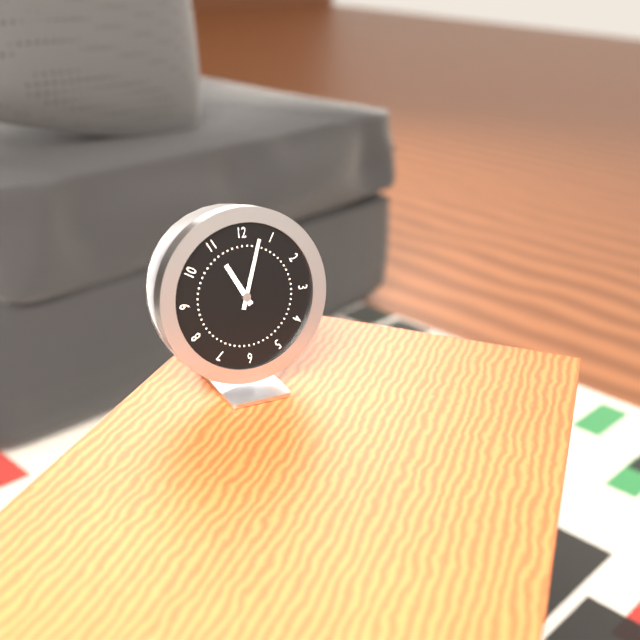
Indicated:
11 h 03 min
